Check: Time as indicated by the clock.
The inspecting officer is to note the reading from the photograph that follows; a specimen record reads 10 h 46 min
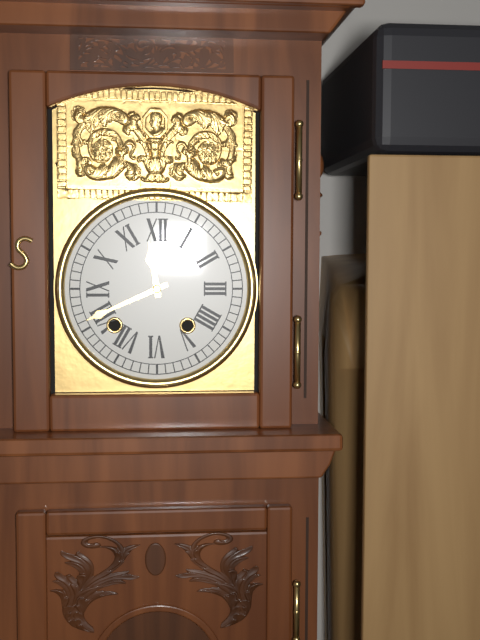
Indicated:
11 h 41 min
